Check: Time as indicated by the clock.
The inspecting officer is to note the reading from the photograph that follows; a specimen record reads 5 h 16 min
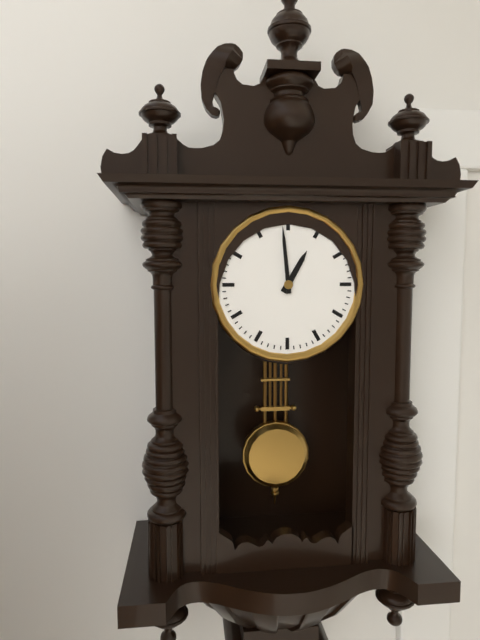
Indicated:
12 h 59 min
